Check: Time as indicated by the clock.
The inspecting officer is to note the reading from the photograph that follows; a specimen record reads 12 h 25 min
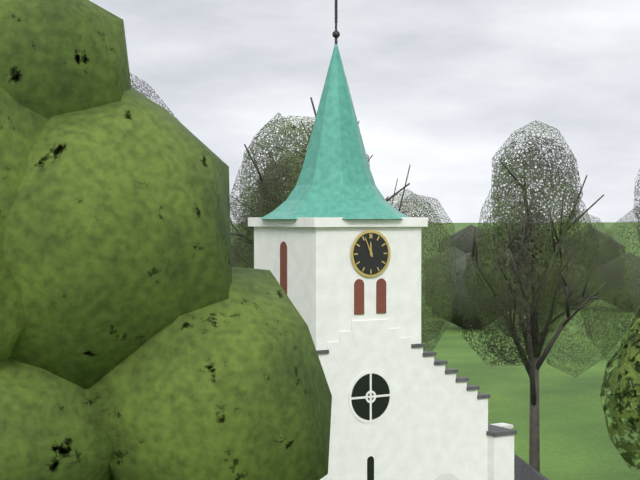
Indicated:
11 h 56 min
